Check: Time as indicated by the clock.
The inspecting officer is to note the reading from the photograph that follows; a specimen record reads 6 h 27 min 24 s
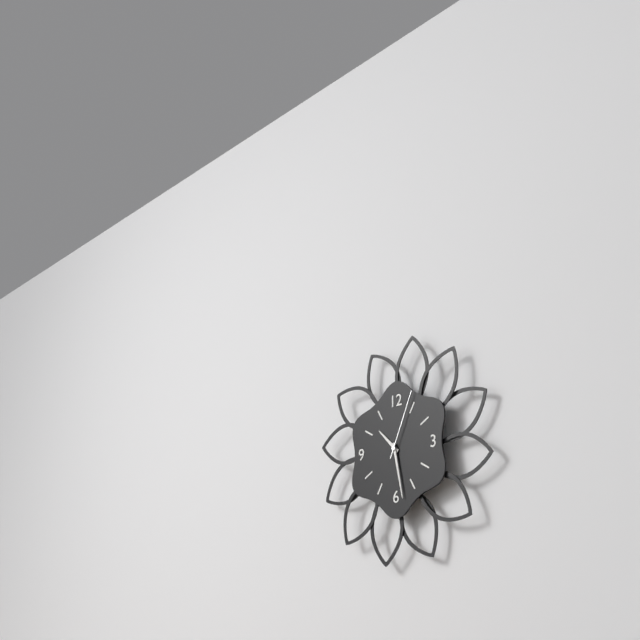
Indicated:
10 h 28 min 04 s
